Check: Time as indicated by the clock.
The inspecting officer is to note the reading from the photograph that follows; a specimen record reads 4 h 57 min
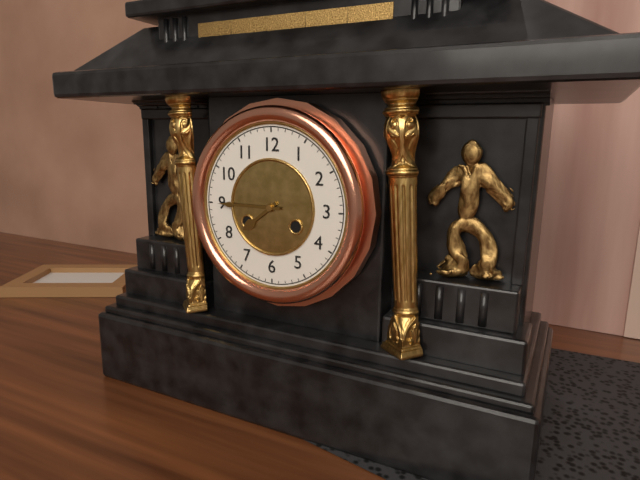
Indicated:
7 h 45 min
